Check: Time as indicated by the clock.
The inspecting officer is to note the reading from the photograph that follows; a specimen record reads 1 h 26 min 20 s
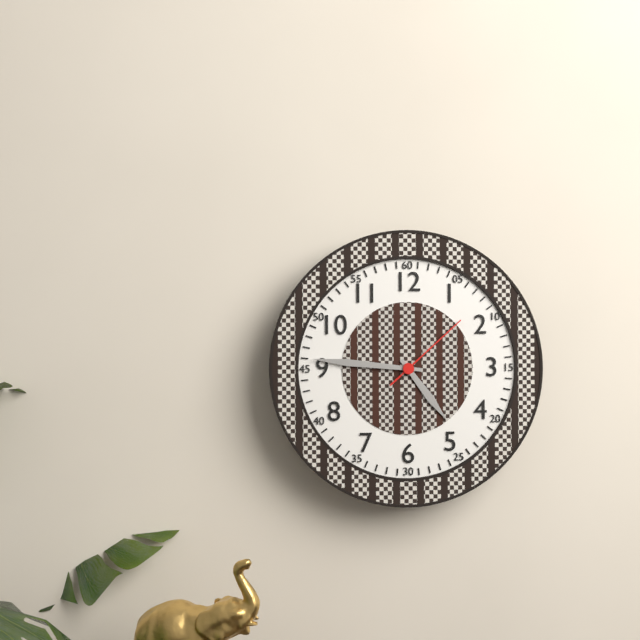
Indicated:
4 h 46 min 08 s
